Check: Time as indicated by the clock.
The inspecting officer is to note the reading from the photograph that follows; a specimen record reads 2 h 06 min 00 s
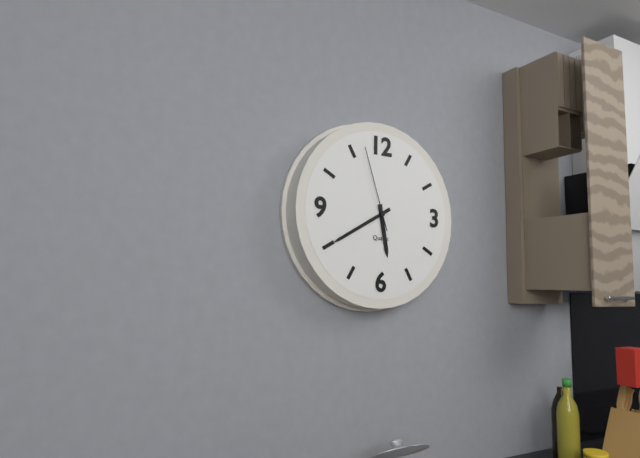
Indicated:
5 h 40 min 57 s
